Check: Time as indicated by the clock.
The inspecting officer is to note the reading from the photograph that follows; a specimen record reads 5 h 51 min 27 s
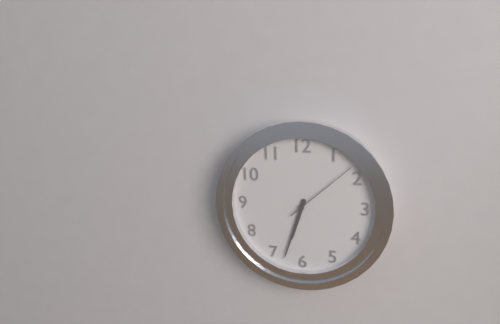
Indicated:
6 h 33 min 08 s
